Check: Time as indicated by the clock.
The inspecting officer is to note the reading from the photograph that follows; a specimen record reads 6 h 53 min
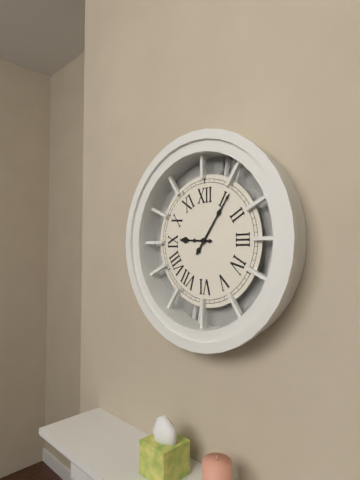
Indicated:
9 h 06 min
